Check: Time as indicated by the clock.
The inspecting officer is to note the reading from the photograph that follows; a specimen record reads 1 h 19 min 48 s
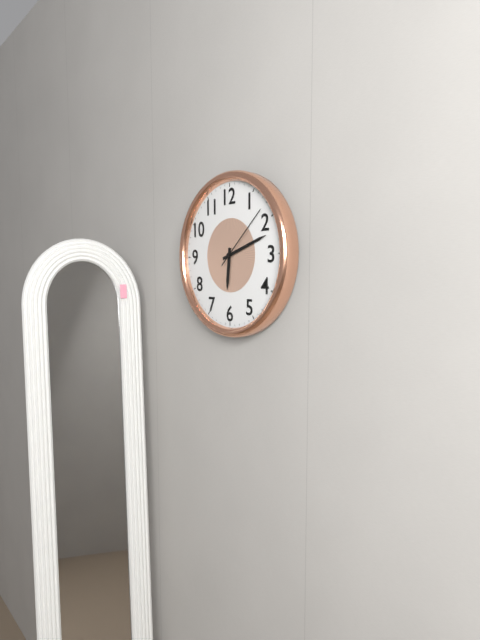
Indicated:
6 h 12 min 08 s
